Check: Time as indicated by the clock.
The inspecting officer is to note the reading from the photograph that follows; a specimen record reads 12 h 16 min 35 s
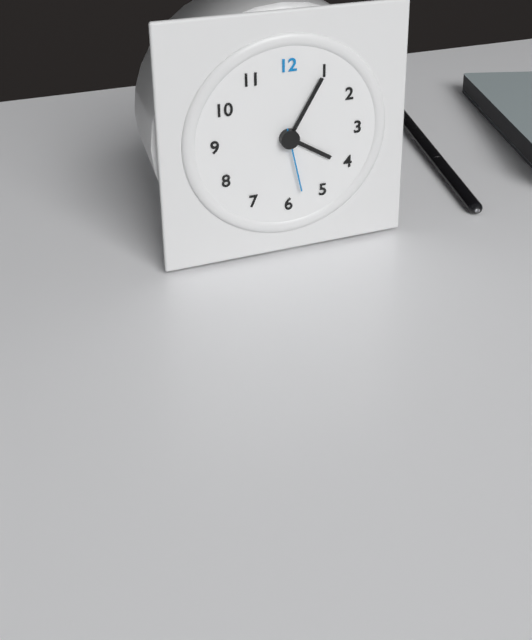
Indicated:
4 h 05 min 28 s
